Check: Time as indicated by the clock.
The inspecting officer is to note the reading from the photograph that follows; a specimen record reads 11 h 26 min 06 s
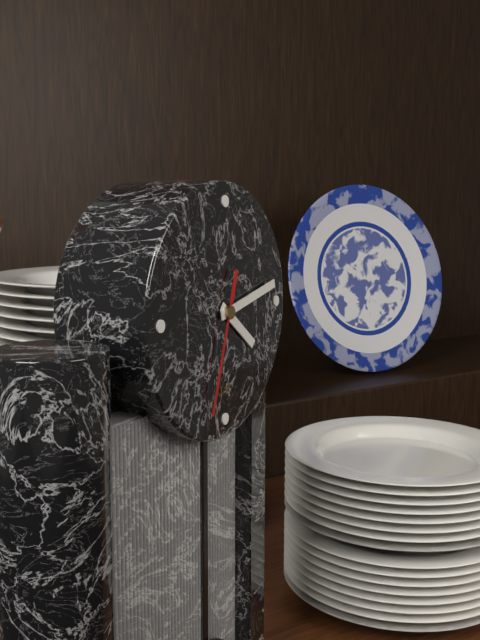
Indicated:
4 h 13 min 33 s
